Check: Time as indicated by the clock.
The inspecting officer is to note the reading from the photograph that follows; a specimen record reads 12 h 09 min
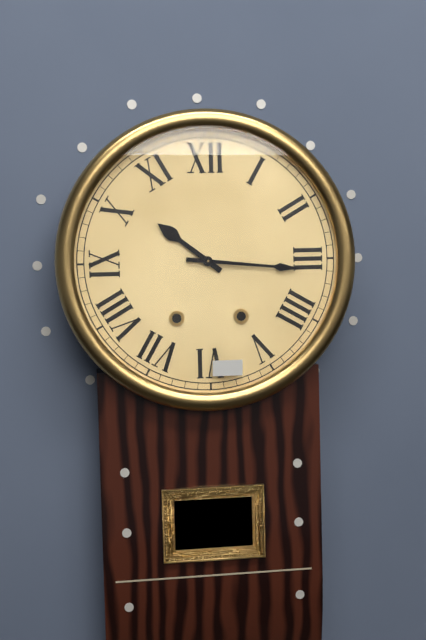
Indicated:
10 h 16 min
